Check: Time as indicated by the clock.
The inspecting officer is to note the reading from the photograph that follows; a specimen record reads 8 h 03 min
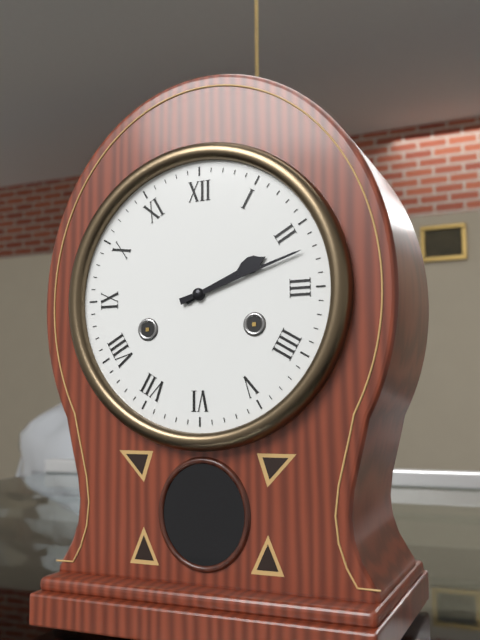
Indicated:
2 h 12 min
